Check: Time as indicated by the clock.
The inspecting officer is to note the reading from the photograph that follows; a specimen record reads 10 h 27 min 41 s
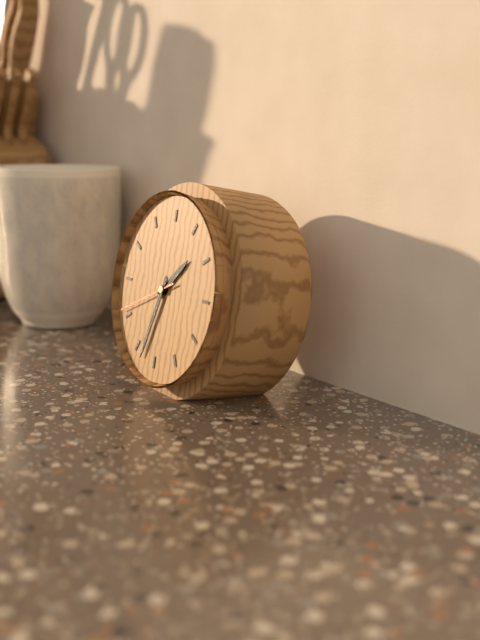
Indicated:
1 h 33 min 41 s
